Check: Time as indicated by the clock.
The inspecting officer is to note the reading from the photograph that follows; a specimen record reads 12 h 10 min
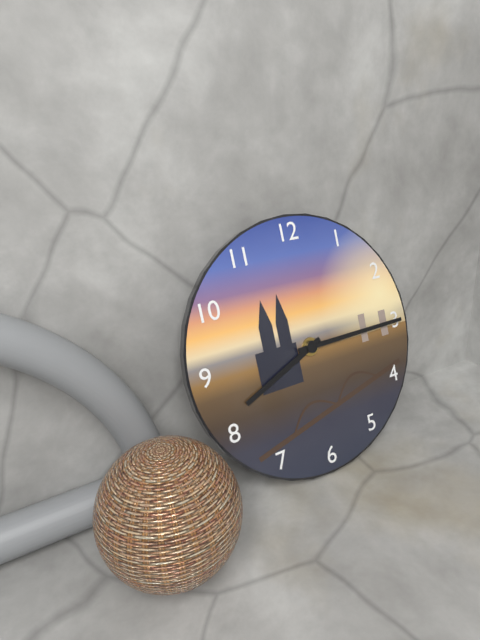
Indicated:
8 h 15 min
